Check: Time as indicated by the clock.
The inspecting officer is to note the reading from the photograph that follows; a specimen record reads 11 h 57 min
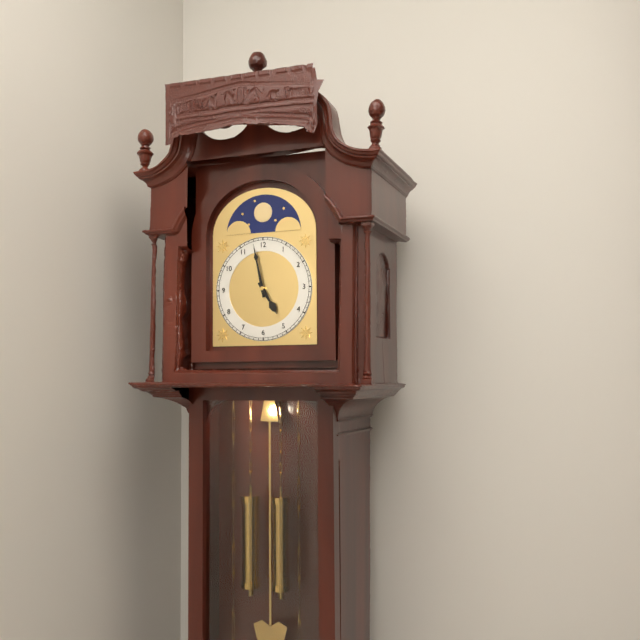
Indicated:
4 h 58 min
